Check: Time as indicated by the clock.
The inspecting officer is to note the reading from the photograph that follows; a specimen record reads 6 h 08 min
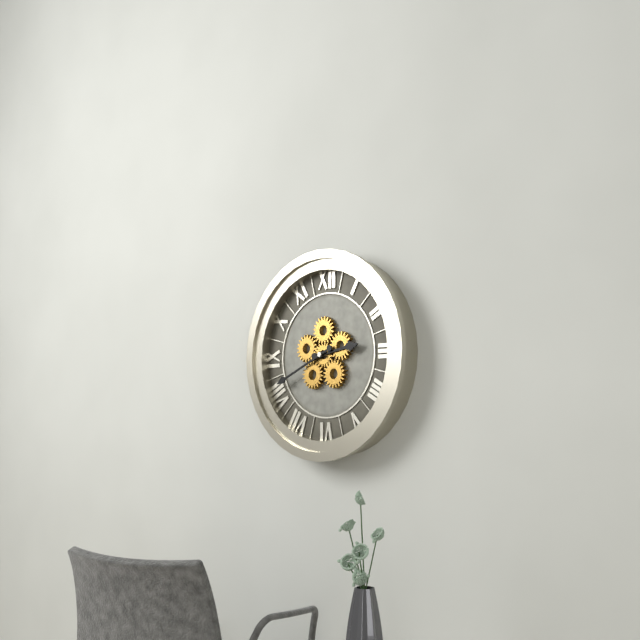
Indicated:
2 h 41 min
